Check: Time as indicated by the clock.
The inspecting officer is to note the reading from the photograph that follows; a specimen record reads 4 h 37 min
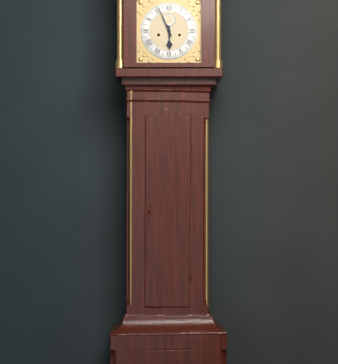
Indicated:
5 h 56 min
